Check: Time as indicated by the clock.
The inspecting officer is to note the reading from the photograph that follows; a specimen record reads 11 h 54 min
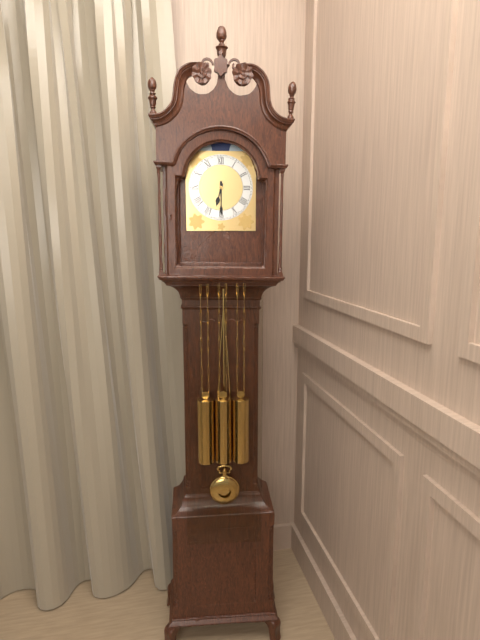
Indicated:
6 h 30 min
